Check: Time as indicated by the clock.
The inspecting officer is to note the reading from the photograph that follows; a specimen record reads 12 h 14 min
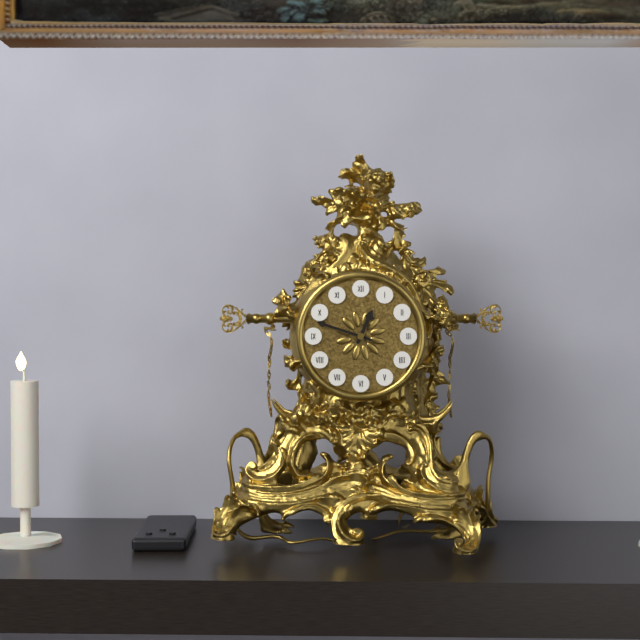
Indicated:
12 h 48 min
